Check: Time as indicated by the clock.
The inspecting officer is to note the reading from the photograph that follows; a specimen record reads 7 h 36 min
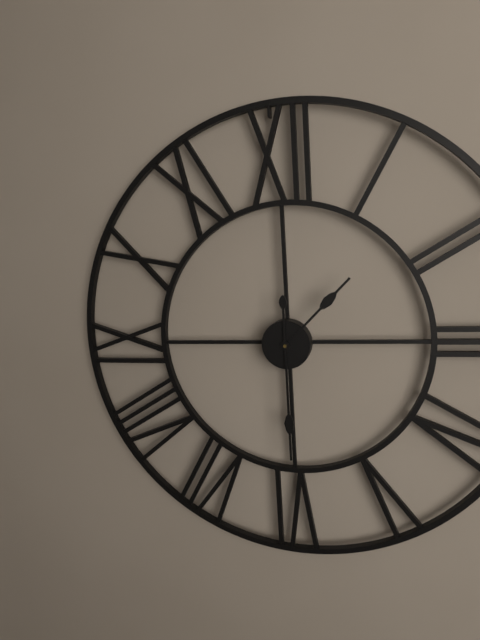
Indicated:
1 h 30 min
